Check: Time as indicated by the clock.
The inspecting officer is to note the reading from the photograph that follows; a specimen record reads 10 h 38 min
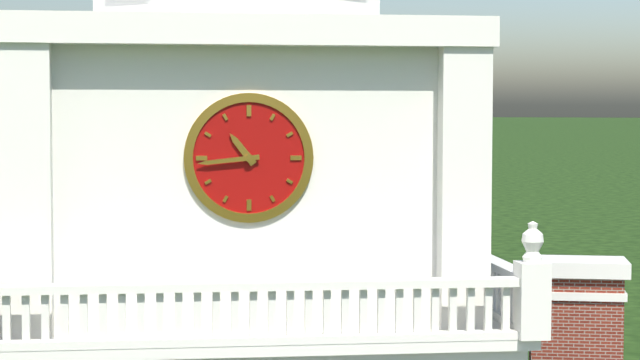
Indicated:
10 h 44 min
